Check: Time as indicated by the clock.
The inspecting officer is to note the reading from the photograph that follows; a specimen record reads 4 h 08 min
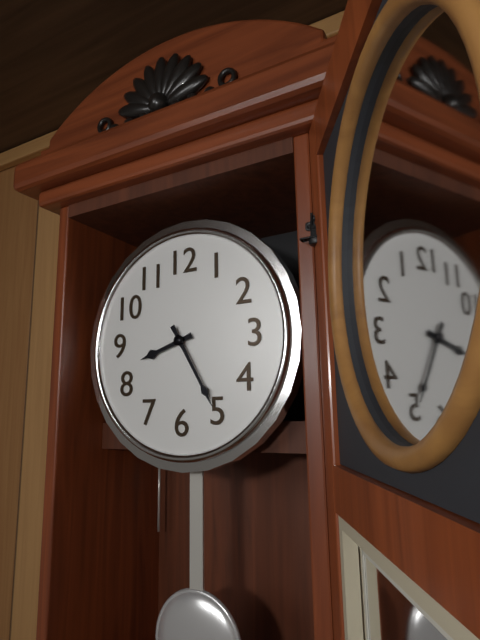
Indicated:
8 h 25 min
